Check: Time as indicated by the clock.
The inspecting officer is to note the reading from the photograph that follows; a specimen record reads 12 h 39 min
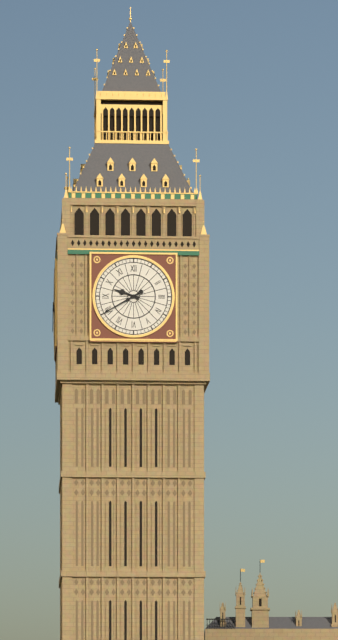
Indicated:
9 h 40 min
